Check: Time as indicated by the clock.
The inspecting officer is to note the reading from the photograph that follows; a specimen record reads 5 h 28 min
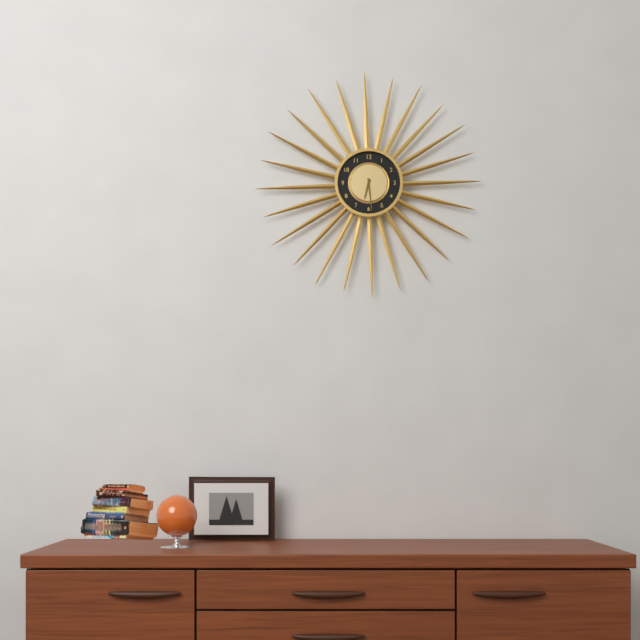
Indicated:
6 h 29 min
